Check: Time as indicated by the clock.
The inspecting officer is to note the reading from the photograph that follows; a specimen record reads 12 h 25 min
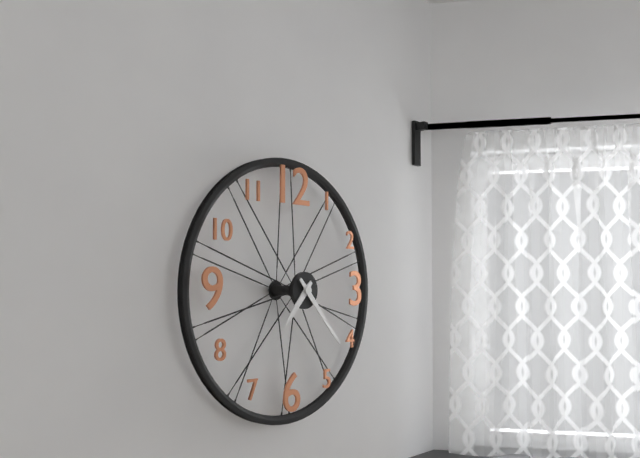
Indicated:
7 h 23 min
